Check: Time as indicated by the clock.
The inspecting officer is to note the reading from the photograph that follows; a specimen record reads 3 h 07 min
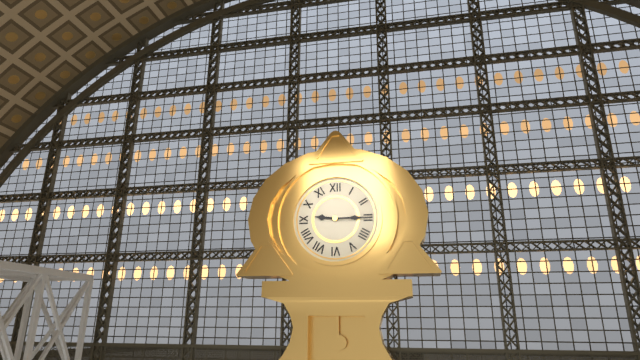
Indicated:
9 h 15 min
